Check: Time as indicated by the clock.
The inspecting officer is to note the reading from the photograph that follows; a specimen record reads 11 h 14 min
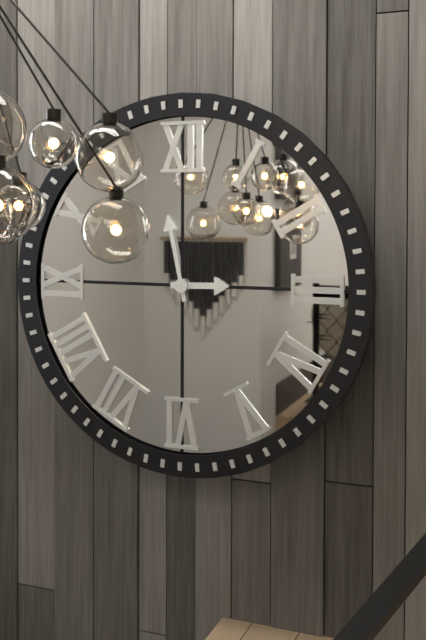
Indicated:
2 h 58 min
